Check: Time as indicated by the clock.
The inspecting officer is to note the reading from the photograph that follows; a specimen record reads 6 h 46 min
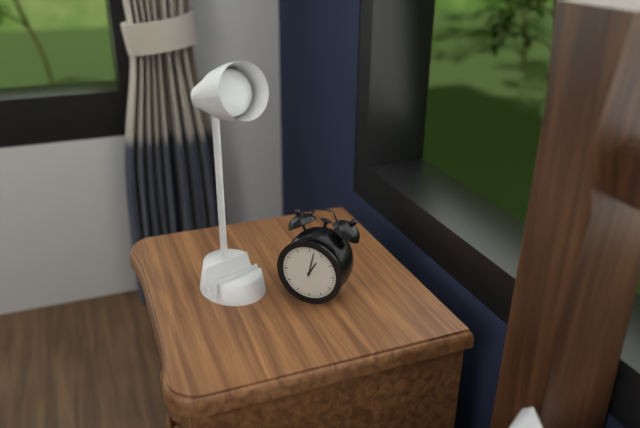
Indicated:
1 h 02 min
